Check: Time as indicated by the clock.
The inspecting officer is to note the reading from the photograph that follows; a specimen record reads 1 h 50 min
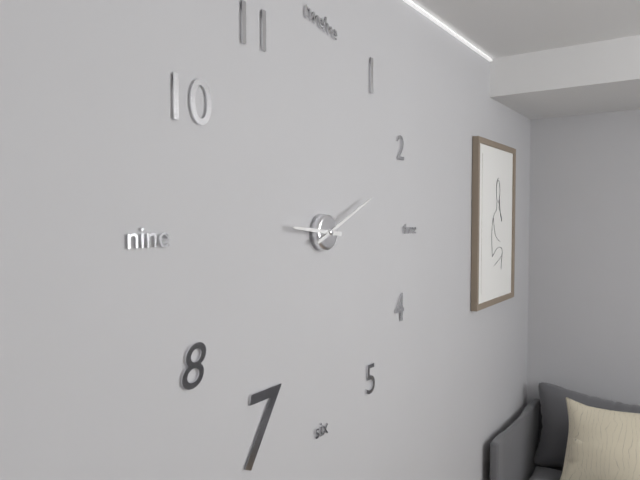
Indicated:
9 h 11 min
